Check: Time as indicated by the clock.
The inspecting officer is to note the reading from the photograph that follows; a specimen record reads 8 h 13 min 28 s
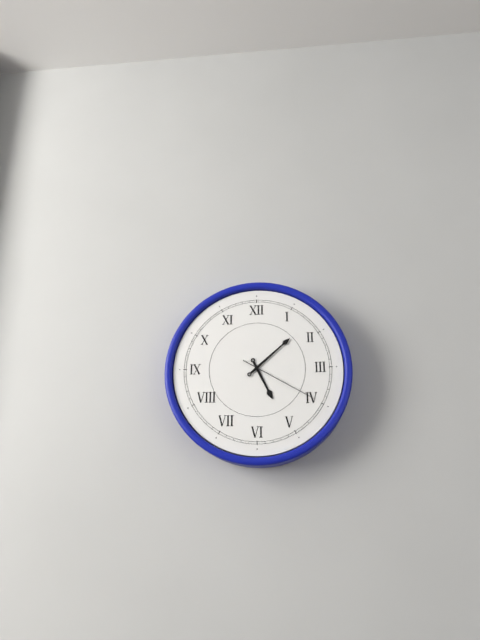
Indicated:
5 h 08 min 20 s
